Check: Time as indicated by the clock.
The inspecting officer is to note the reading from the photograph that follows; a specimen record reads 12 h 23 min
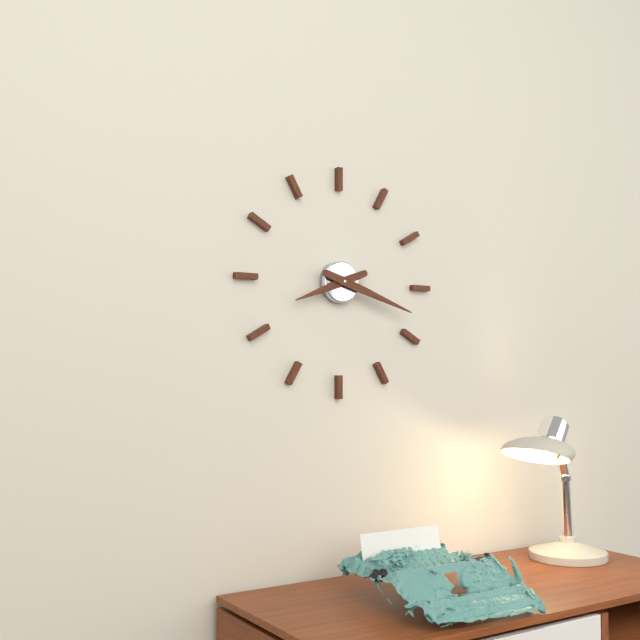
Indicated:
8 h 18 min
